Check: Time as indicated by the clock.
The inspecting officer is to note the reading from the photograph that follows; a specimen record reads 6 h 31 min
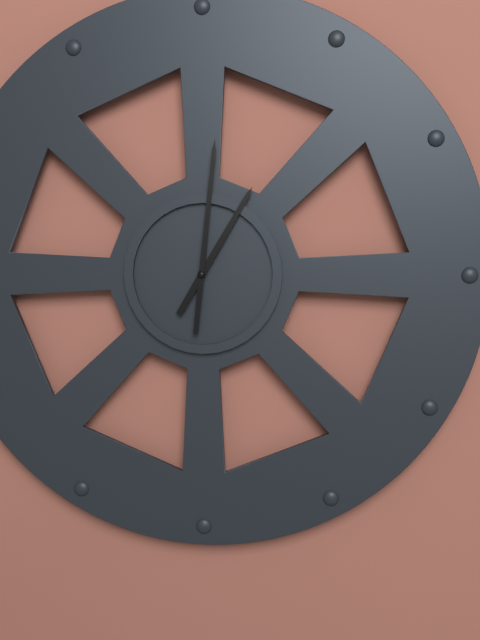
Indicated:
1 h 01 min
